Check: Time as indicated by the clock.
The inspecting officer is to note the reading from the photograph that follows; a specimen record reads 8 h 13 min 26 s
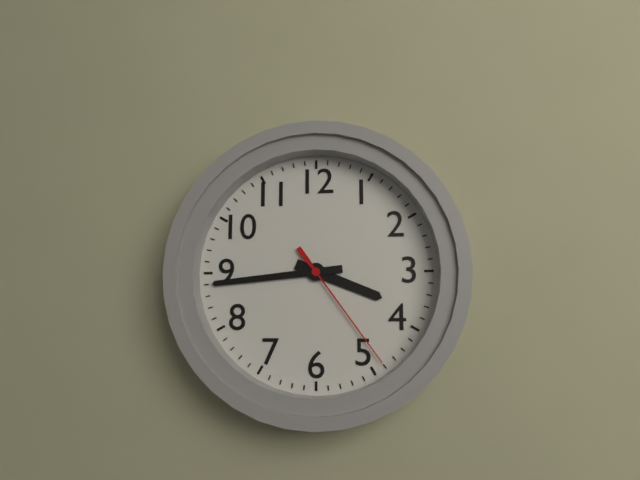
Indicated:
3 h 44 min 24 s
